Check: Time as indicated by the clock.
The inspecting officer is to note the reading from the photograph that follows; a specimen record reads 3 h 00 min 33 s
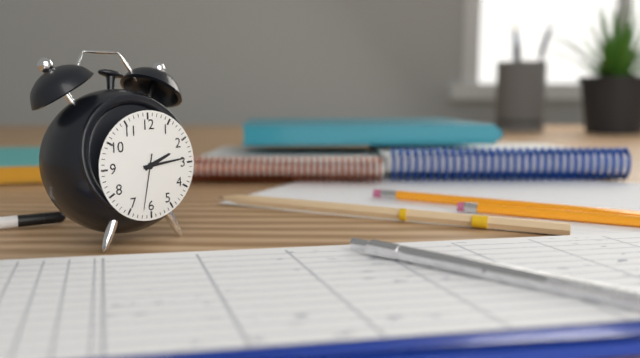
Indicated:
2 h 14 min 32 s
